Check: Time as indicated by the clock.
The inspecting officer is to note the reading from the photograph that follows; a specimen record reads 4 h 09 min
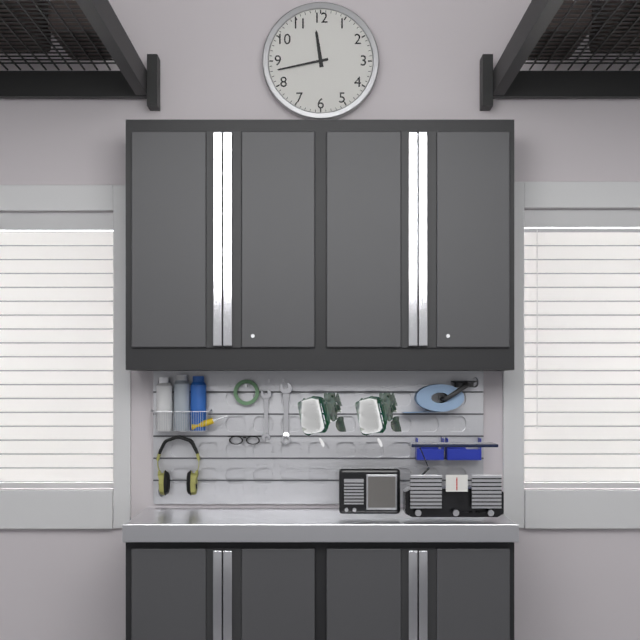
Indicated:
11 h 43 min
